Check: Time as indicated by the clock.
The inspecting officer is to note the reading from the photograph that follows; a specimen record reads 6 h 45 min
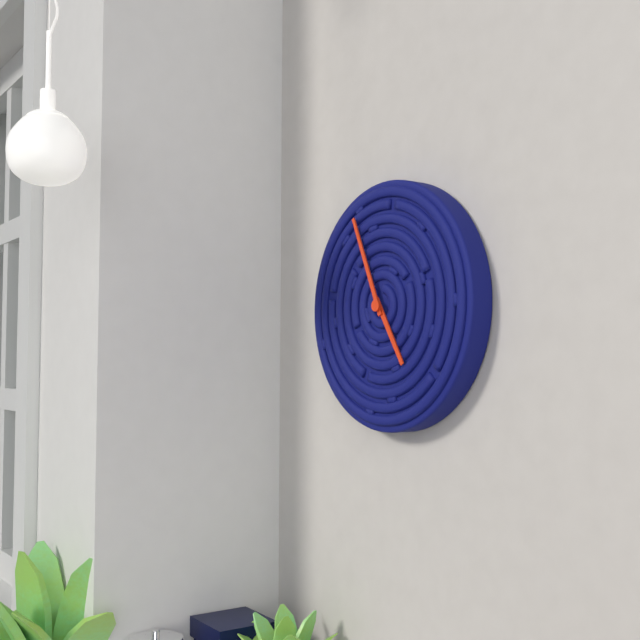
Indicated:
4 h 56 min
